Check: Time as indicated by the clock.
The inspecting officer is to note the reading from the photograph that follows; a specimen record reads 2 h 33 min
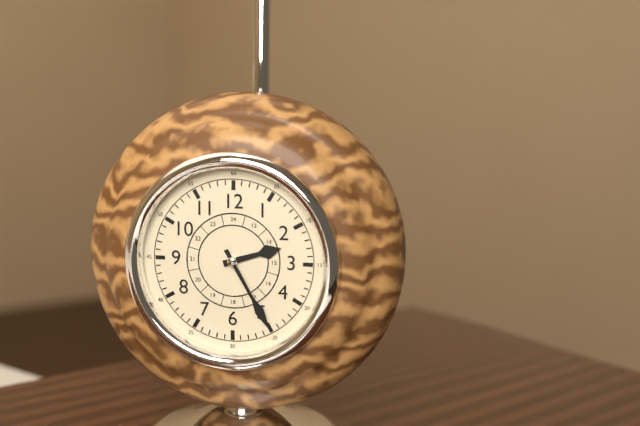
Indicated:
2 h 25 min
